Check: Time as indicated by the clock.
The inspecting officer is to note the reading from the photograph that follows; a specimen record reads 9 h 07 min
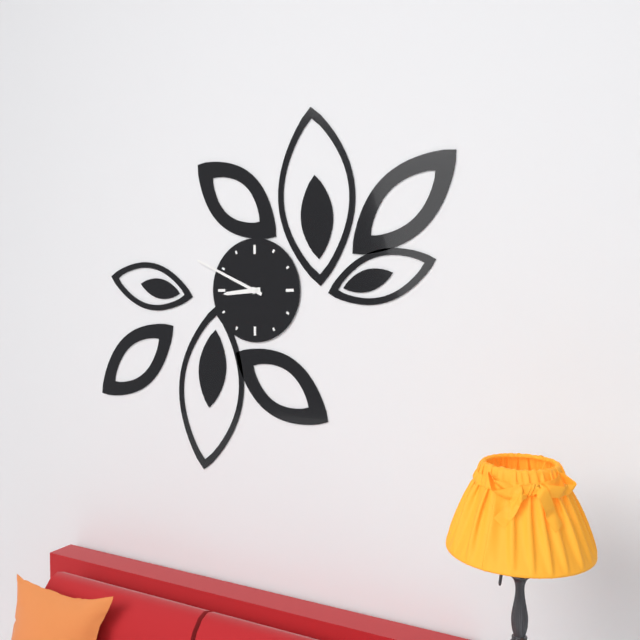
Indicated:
8 h 49 min
